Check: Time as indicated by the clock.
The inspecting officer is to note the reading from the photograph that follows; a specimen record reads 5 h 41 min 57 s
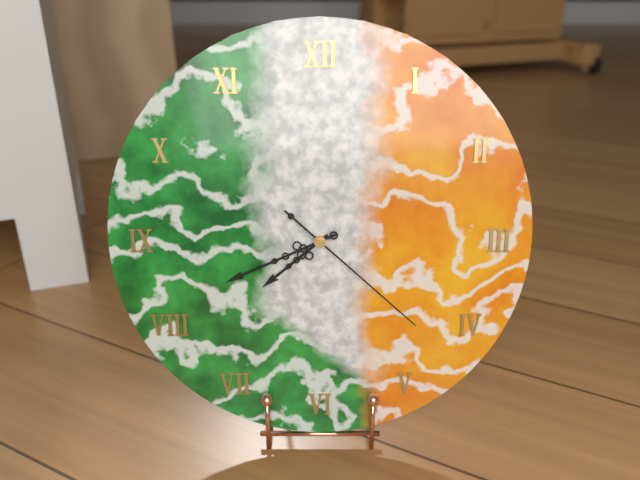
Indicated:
7 h 41 min 22 s
